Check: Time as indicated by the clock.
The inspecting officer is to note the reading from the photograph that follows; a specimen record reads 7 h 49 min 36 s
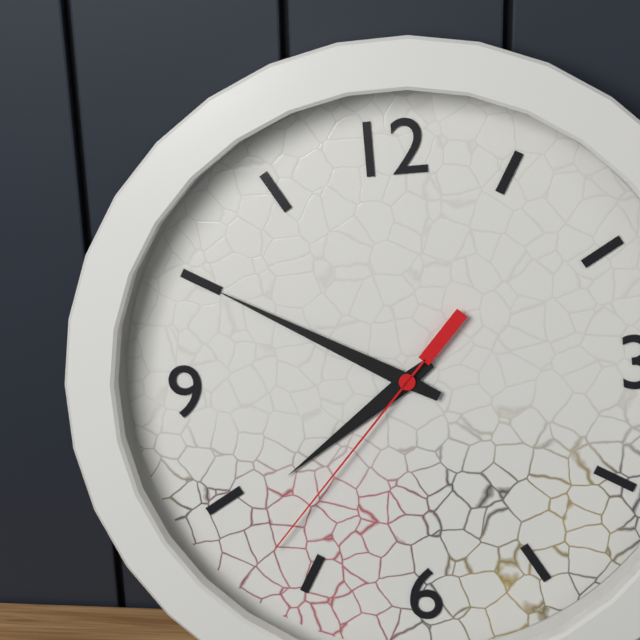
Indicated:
7 h 50 min 37 s
